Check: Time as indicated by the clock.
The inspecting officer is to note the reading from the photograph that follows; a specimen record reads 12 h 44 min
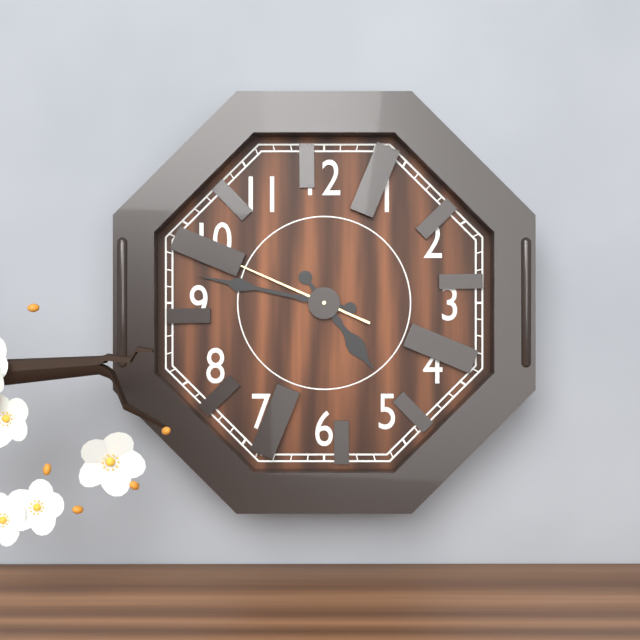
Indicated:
4 h 47 min
